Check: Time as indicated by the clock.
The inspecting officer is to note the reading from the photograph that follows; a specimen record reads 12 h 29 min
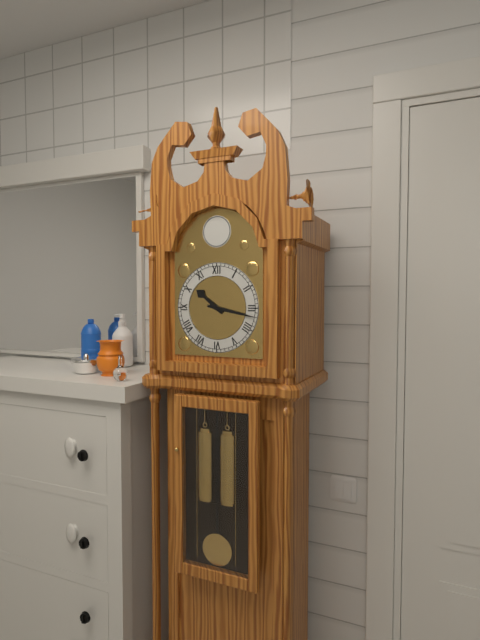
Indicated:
10 h 17 min
